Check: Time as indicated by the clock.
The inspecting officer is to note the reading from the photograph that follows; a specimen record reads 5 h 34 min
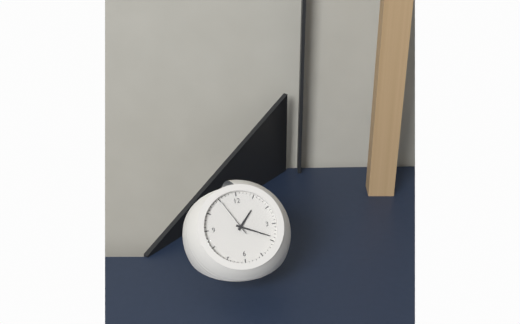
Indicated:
1 h 19 min
